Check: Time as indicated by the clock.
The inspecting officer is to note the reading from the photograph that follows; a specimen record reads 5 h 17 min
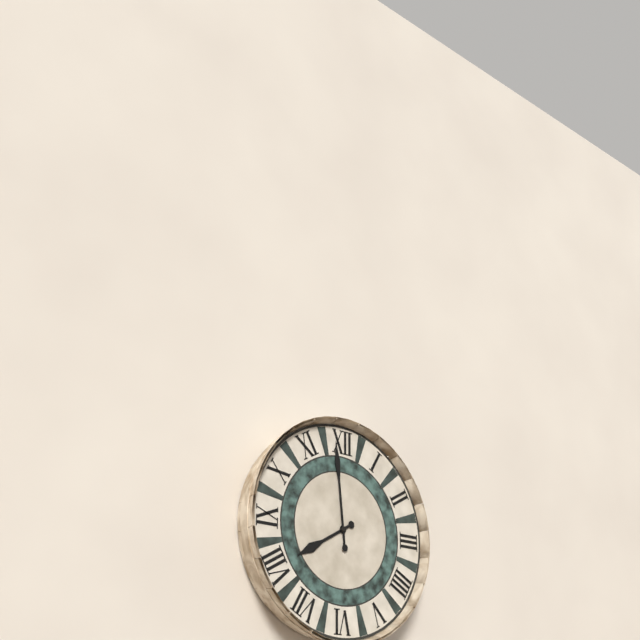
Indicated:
7 h 59 min
